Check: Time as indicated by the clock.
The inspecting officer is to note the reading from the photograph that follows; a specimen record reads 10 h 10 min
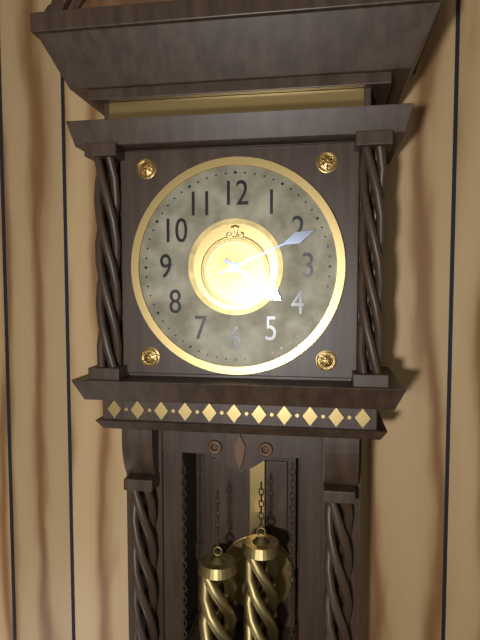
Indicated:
4 h 11 min
